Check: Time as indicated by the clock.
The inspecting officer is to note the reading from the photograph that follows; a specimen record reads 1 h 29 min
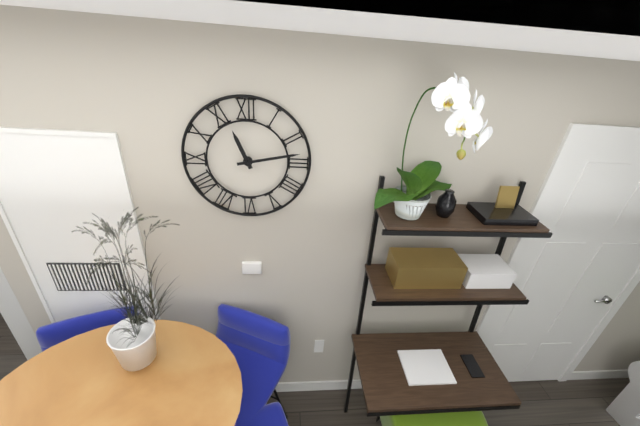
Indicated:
11 h 13 min
